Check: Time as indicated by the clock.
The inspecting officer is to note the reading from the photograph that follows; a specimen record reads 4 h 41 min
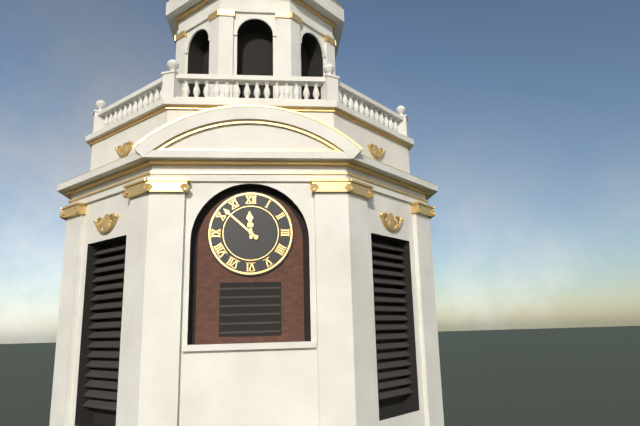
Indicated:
11 h 52 min
